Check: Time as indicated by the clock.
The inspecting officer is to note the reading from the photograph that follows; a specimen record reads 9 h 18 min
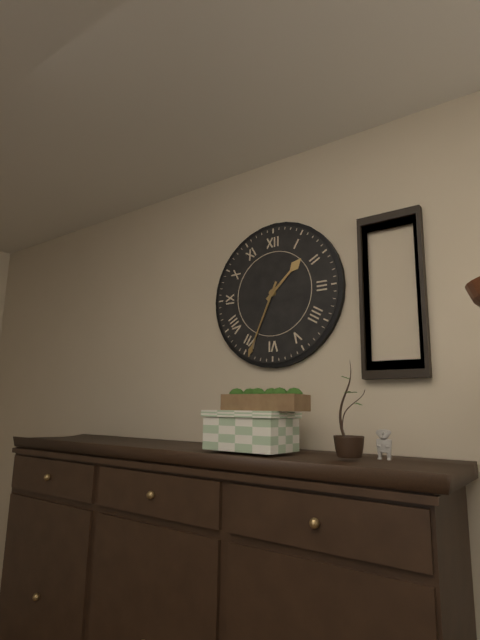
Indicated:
1 h 34 min
